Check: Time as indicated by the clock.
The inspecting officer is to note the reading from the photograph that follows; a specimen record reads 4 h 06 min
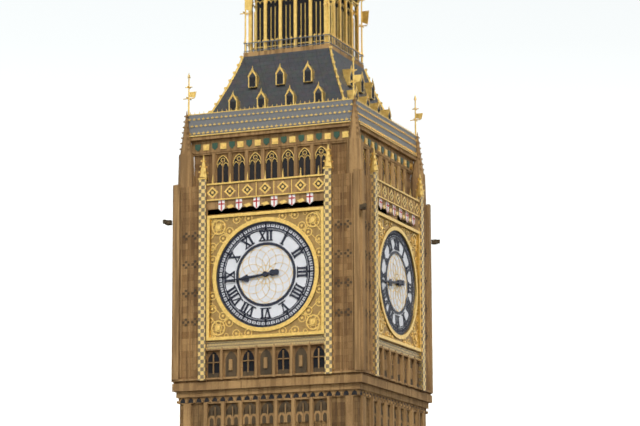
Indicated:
8 h 44 min
